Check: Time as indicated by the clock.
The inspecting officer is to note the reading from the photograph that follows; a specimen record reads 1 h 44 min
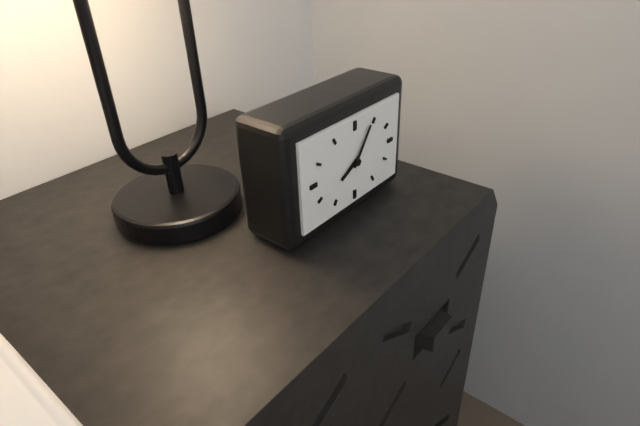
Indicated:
8 h 06 min
